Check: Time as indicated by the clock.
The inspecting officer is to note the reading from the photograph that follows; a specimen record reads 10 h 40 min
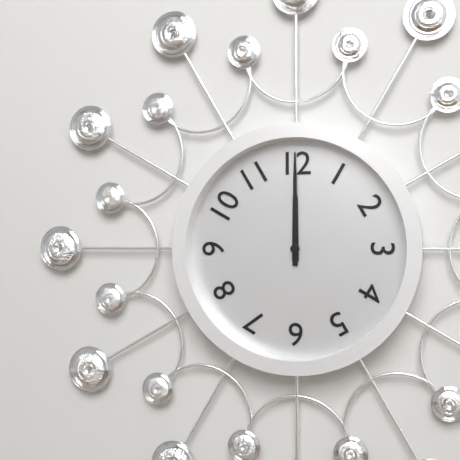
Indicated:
12 h 00 min
